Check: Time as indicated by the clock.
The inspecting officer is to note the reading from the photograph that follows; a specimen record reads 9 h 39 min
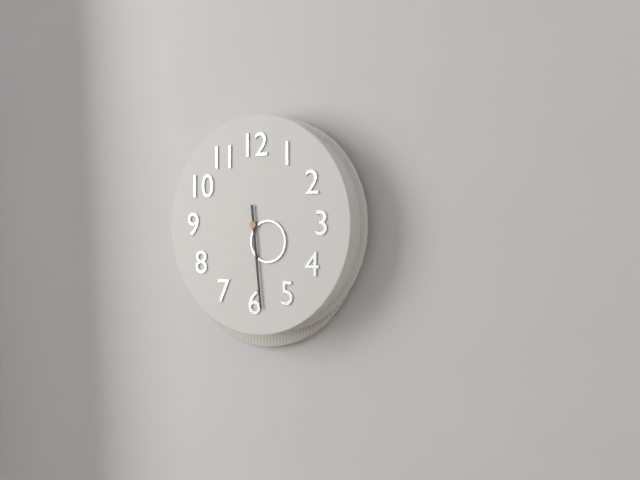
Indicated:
4 h 29 min
